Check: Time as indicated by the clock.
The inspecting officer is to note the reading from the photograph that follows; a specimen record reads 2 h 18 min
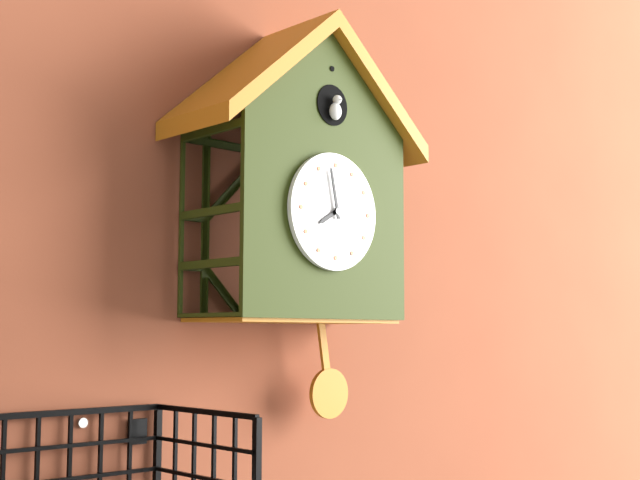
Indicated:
7 h 58 min
